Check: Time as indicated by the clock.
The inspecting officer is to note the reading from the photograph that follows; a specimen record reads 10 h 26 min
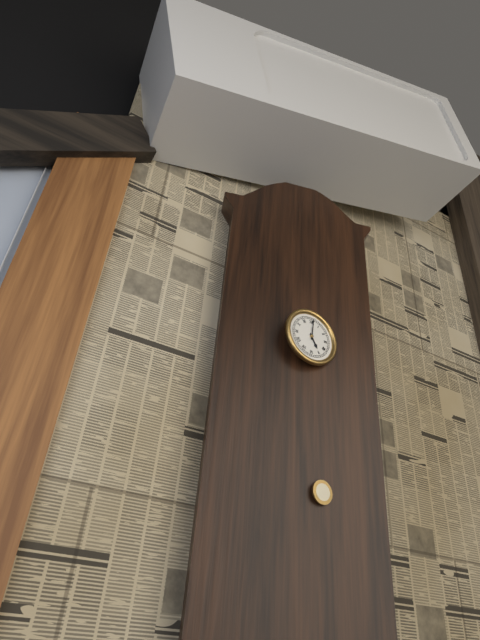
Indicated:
5 h 01 min
